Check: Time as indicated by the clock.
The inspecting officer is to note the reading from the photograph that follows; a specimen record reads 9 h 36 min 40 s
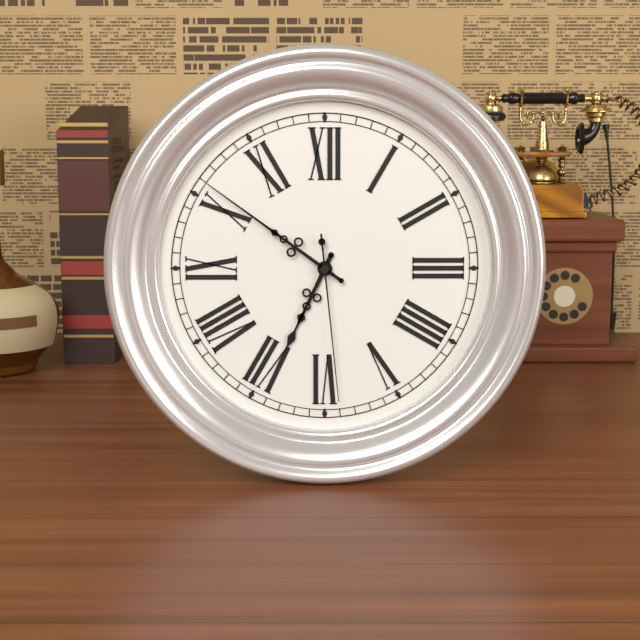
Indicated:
6 h 51 min 29 s
